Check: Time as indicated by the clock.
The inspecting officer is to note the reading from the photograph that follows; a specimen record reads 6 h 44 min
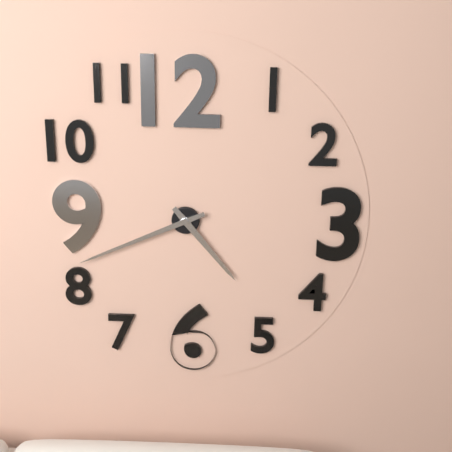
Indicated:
4 h 41 min
